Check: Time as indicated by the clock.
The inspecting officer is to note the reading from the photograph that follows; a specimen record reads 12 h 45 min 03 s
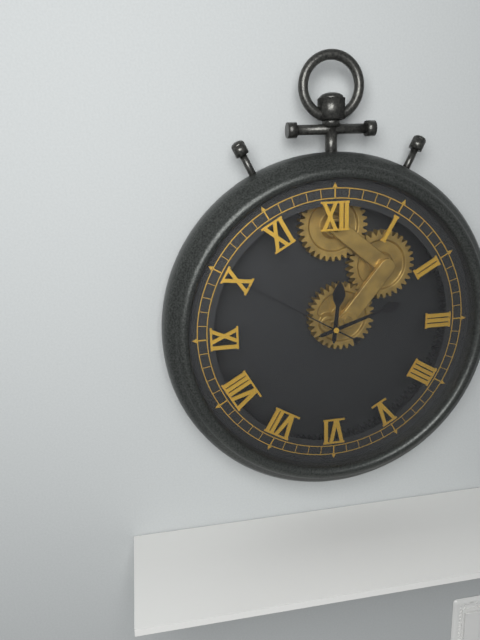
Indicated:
12 h 12 min 50 s
